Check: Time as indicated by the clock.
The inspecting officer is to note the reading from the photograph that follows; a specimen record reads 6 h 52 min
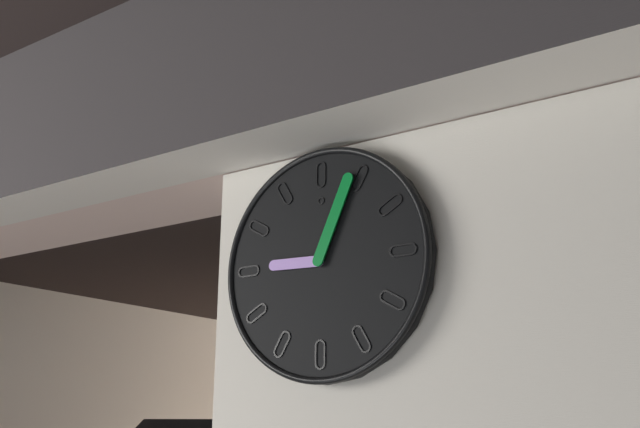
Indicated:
9 h 04 min
